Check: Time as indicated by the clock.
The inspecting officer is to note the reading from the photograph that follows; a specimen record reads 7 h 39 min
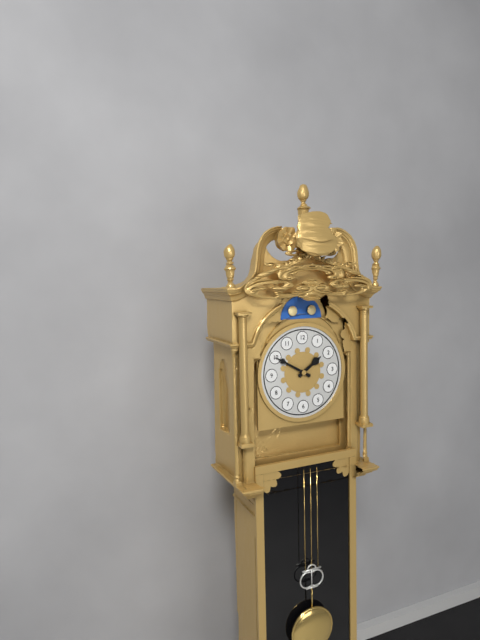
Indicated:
1 h 50 min
